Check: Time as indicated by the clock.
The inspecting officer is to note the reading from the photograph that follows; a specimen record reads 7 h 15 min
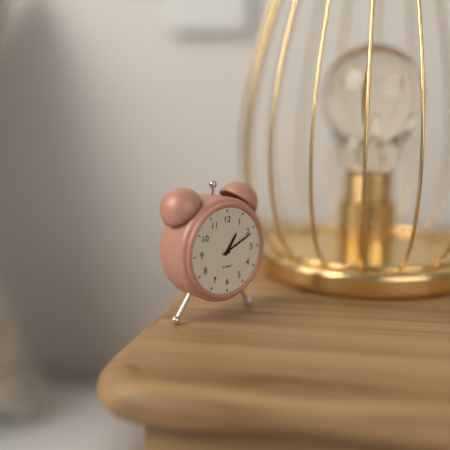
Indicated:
1 h 11 min
